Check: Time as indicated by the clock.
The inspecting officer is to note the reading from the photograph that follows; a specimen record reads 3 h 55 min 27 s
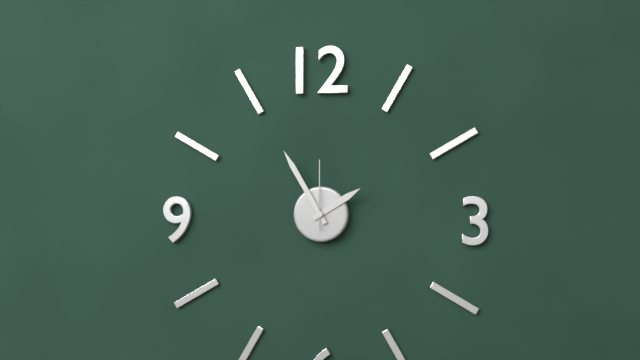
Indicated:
1 h 55 min 00 s
